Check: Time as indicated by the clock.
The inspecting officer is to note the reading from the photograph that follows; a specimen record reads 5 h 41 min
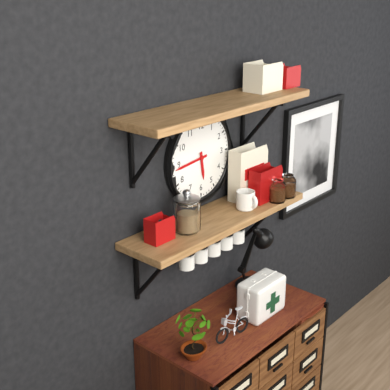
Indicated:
5 h 44 min
